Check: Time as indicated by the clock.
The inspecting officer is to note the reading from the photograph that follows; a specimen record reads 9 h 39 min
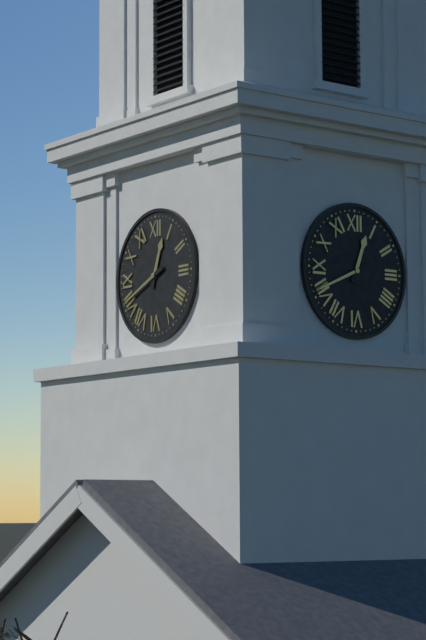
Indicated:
12 h 41 min
